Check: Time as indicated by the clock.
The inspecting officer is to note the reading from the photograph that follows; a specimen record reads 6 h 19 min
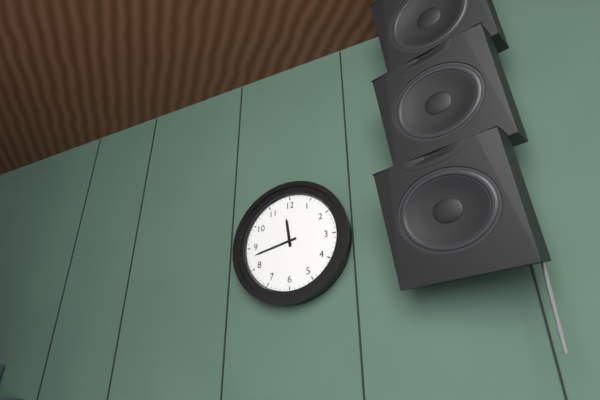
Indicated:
11 h 43 min
